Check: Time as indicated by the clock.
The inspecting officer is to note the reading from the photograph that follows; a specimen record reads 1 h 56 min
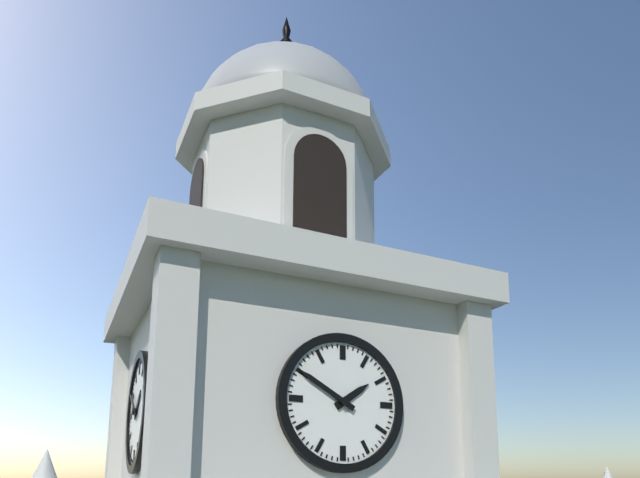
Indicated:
1 h 50 min
